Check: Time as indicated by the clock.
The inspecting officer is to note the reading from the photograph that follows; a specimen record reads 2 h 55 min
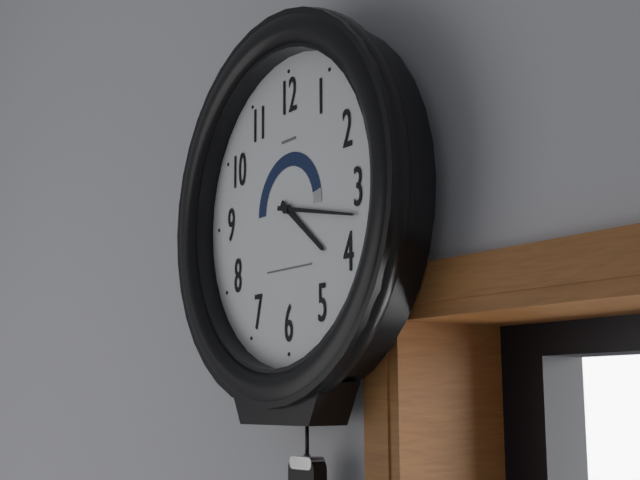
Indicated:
4 h 17 min
